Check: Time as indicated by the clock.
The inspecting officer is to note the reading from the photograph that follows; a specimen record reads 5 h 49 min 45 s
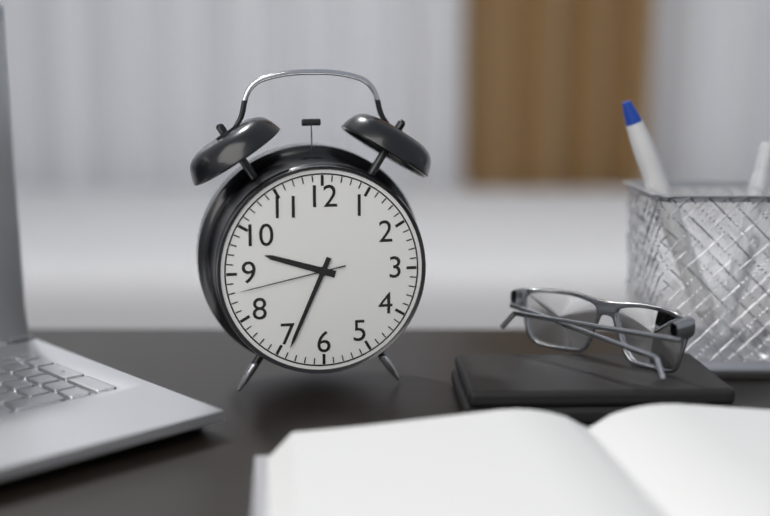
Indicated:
9 h 34 min 43 s
